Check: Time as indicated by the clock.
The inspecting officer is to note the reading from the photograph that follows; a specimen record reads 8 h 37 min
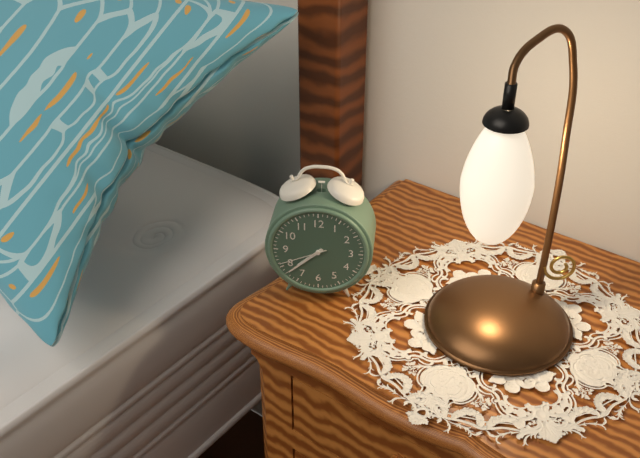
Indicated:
7 h 38 min
